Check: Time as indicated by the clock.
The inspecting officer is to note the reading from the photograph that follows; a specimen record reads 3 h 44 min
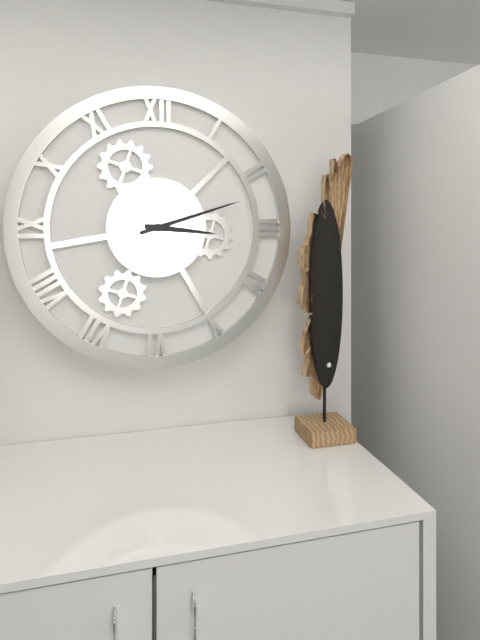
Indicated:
3 h 12 min
